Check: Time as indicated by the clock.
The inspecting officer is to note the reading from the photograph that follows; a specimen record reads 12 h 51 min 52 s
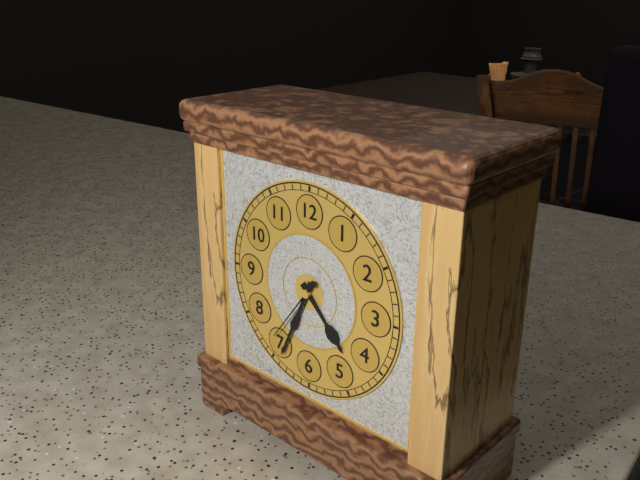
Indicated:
4 h 34 min 36 s
